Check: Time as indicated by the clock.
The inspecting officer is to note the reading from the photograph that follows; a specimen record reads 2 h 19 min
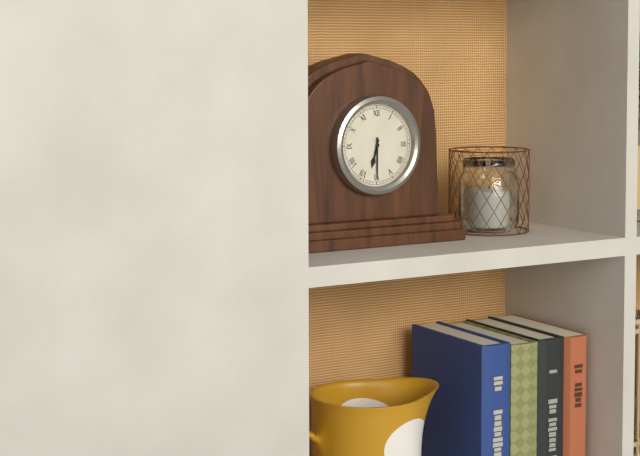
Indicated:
6 h 30 min
